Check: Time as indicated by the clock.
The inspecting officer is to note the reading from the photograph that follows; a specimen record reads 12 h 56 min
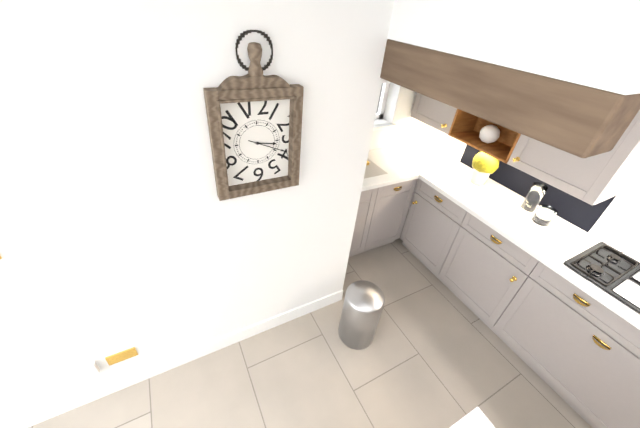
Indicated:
3 h 19 min
